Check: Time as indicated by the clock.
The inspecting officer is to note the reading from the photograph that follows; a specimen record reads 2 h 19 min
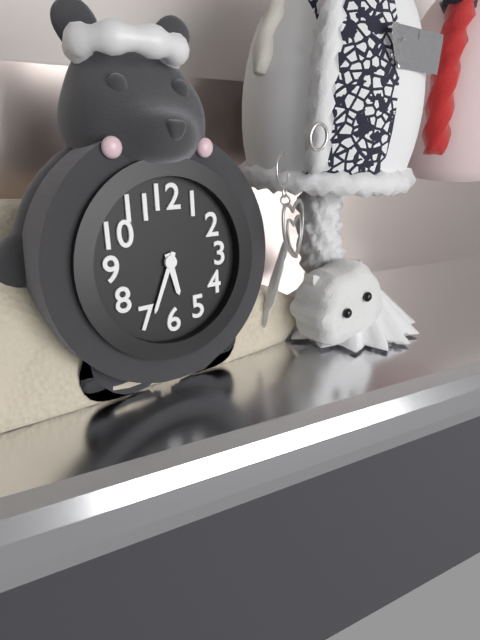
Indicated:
5 h 34 min
